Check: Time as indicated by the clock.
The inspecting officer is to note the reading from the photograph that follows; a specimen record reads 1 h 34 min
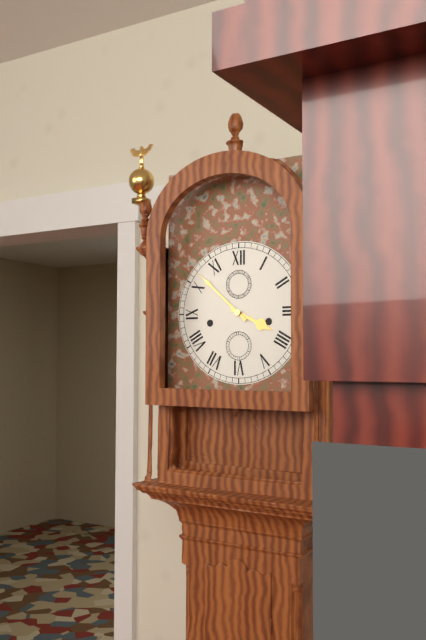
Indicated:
3 h 52 min
